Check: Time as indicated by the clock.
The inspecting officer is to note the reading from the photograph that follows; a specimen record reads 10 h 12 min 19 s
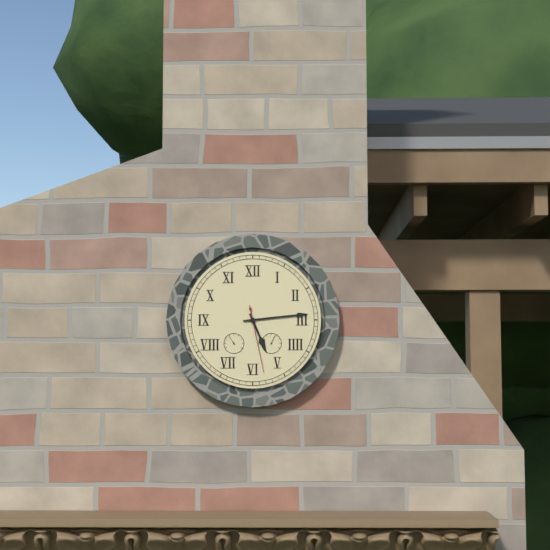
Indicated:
5 h 14 min 28 s
